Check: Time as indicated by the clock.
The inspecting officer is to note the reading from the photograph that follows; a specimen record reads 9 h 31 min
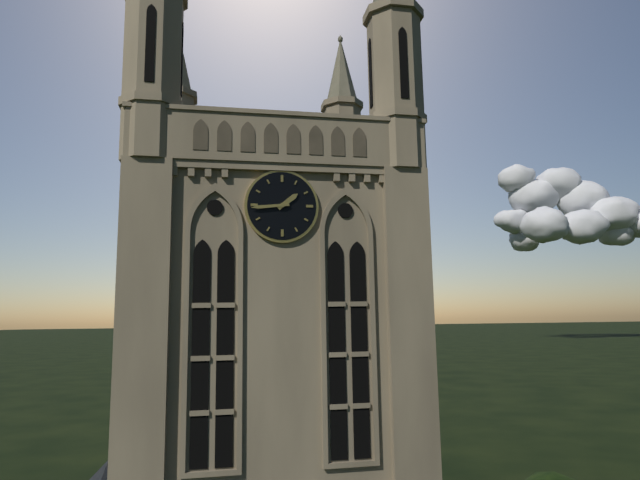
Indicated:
1 h 44 min
